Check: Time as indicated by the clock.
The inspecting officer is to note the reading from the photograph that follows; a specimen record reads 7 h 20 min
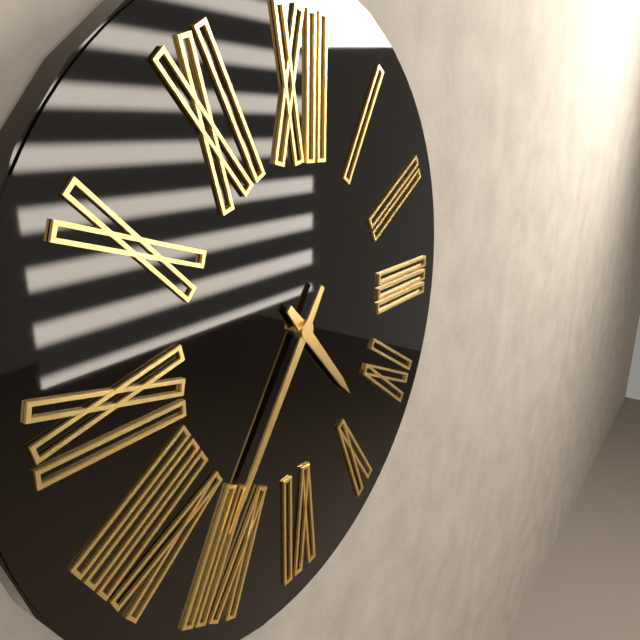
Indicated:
4 h 36 min
